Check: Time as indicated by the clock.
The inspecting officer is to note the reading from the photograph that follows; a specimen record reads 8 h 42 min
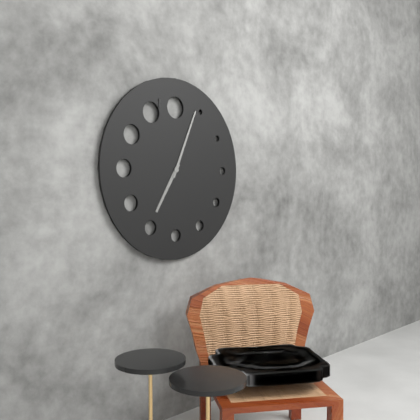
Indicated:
7 h 04 min
